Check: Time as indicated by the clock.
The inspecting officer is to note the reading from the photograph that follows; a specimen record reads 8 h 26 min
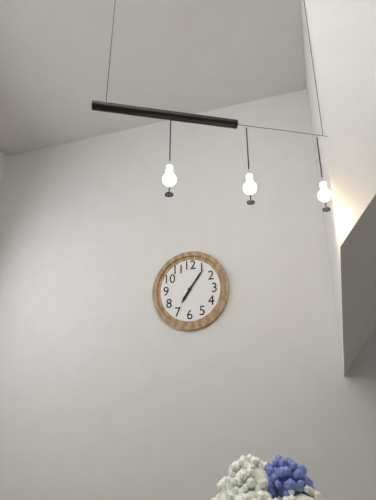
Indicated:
7 h 06 min
